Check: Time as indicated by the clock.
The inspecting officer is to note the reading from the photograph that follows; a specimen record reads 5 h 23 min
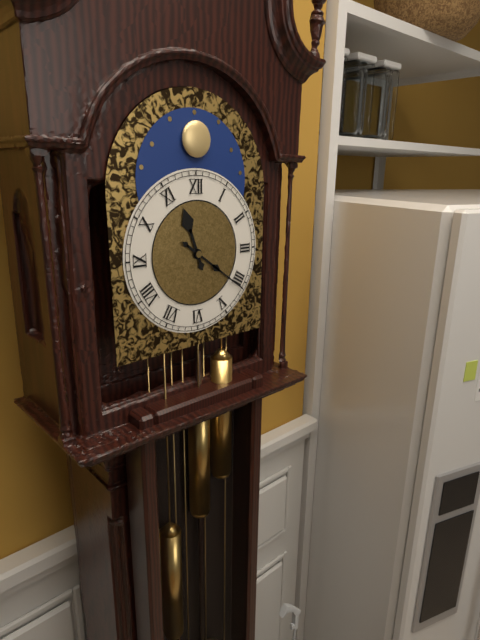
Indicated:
11 h 21 min
